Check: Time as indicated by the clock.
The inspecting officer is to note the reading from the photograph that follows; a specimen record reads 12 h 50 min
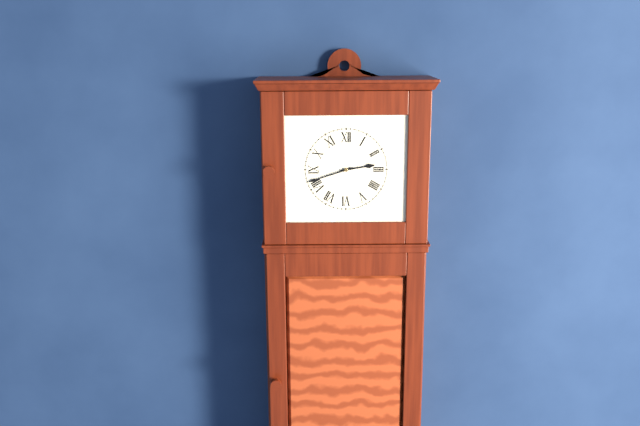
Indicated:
2 h 42 min
